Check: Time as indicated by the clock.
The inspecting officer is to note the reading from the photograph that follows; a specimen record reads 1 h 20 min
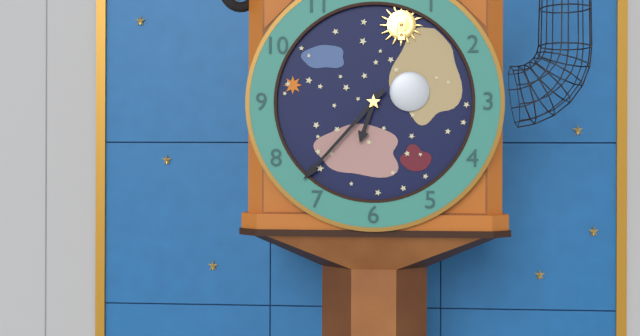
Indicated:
6 h 37 min
